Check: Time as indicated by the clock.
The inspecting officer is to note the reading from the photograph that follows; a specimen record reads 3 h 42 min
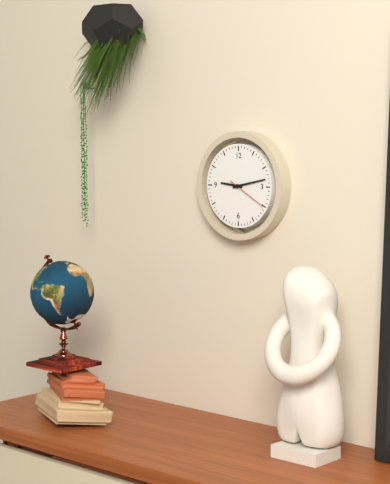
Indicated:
9 h 13 min
